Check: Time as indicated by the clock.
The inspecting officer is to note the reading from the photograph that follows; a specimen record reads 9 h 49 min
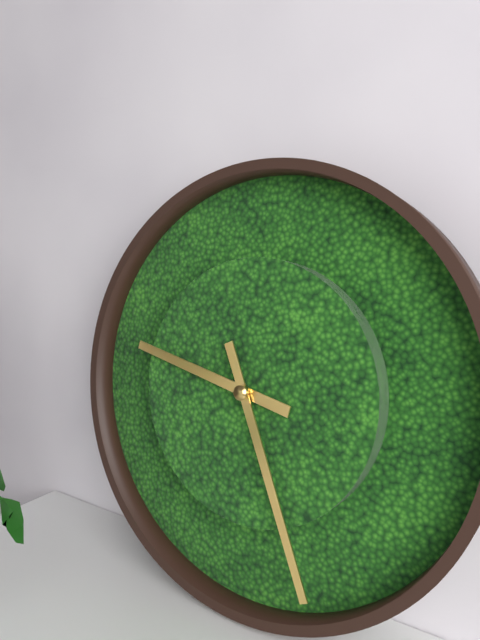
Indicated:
9 h 26 min
